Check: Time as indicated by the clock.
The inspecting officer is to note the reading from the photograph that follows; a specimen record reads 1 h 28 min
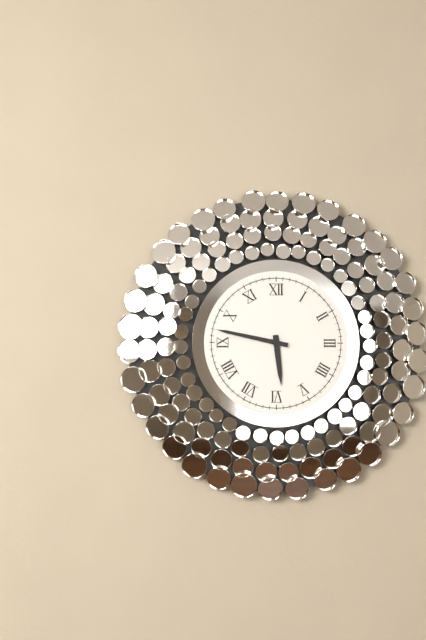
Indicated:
5 h 47 min
